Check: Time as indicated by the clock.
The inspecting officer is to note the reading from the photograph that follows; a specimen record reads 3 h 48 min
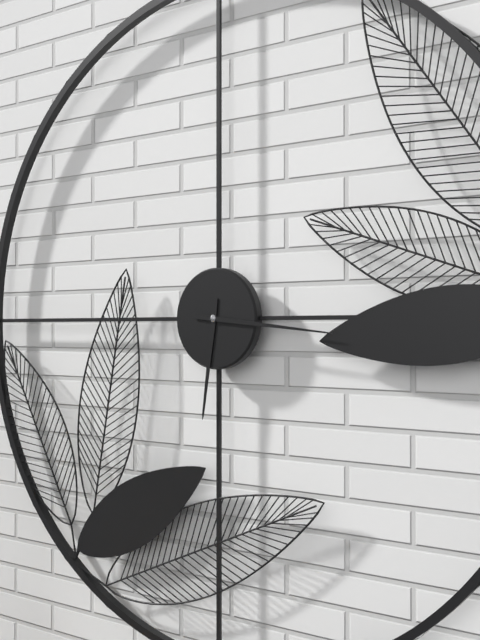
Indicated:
6 h 16 min
